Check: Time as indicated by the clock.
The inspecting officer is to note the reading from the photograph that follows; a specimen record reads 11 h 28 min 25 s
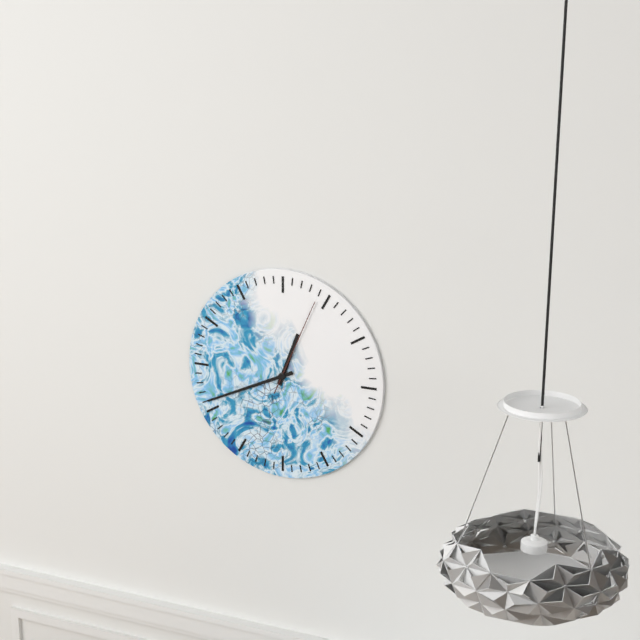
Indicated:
12 h 41 min 04 s
